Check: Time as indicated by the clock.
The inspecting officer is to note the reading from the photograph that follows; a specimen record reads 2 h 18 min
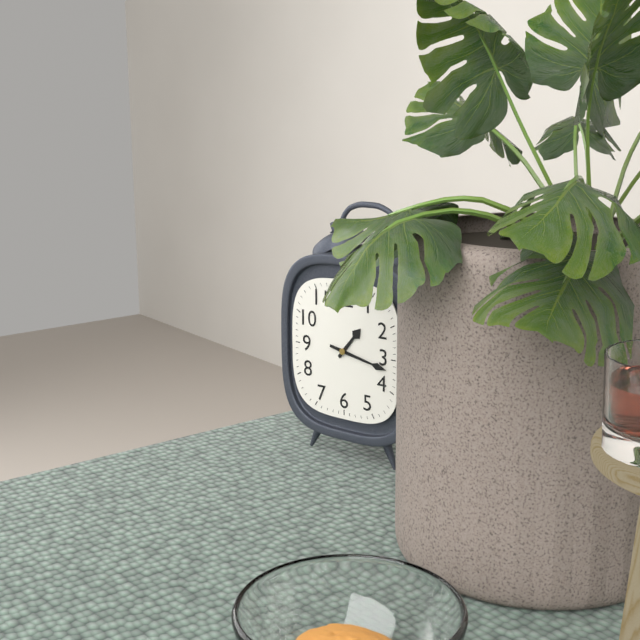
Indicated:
1 h 17 min
